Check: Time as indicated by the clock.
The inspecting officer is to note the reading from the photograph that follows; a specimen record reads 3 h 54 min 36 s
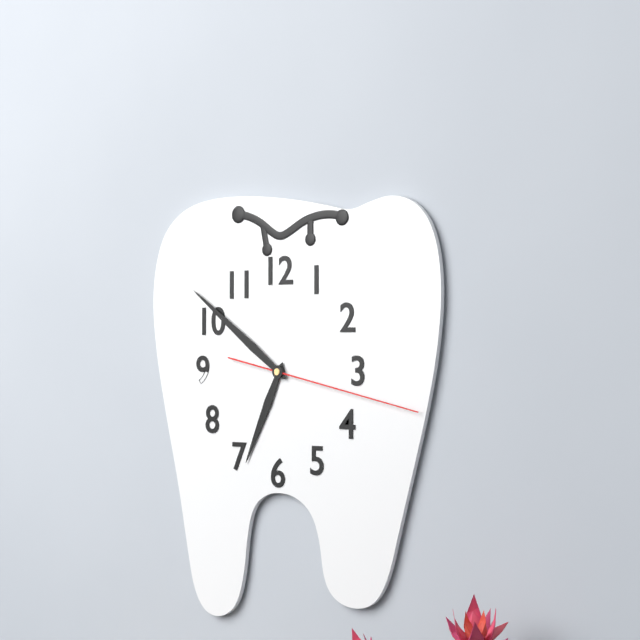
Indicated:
6 h 51 min 17 s
